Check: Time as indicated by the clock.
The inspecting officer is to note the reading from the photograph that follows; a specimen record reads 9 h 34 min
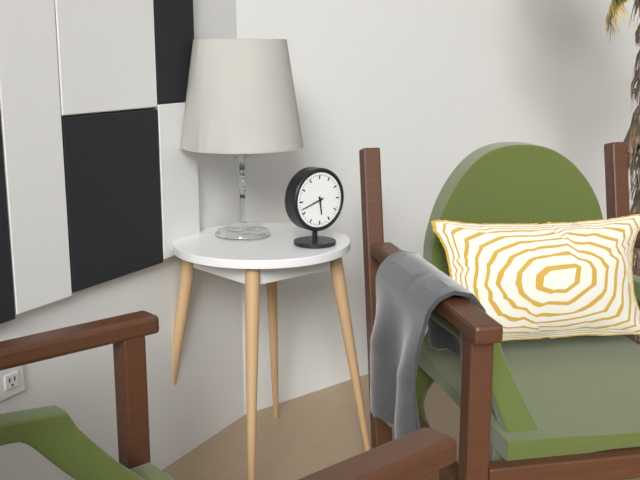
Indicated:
5 h 42 min
